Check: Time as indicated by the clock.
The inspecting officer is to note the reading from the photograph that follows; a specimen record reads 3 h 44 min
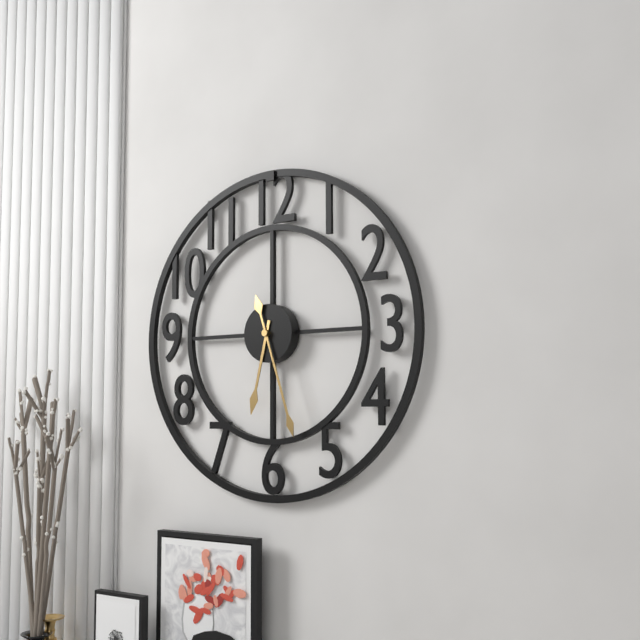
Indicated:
6 h 27 min
